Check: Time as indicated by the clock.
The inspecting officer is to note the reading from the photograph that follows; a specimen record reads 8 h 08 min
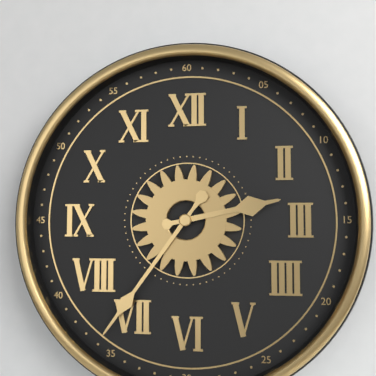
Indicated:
2 h 36 min
